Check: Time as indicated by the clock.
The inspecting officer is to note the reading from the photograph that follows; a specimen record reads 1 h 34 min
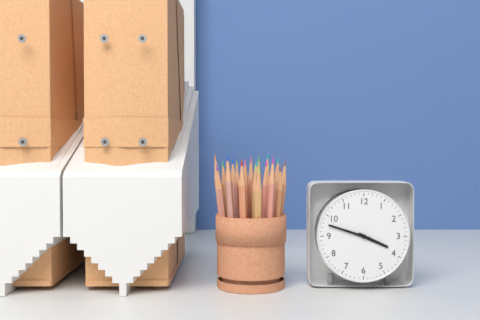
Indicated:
3 h 48 min
